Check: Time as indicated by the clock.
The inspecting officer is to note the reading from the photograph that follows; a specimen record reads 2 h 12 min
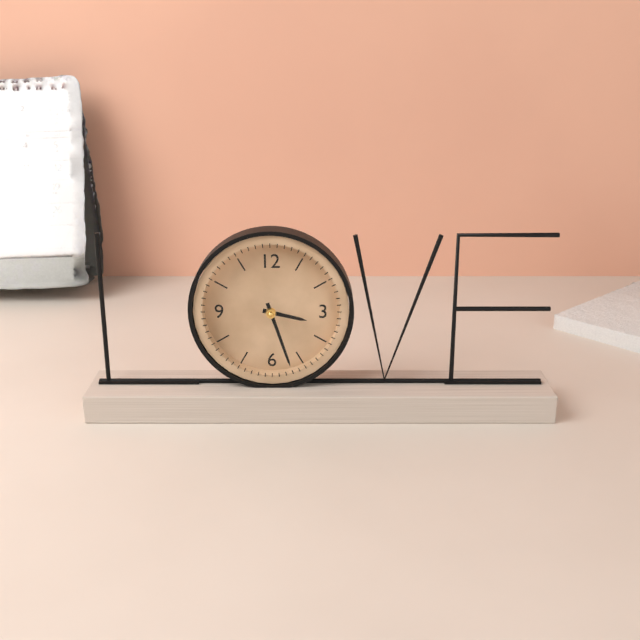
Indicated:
3 h 27 min
